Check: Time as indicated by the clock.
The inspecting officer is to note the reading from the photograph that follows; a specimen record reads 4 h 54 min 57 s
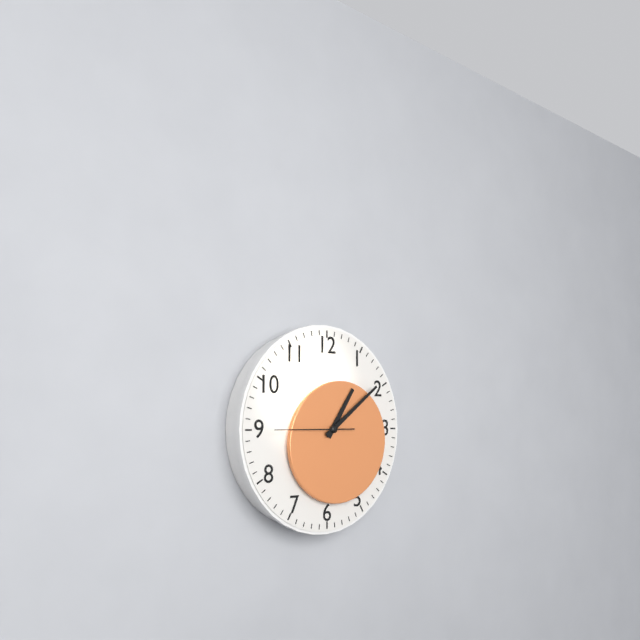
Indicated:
1 h 09 min 45 s
